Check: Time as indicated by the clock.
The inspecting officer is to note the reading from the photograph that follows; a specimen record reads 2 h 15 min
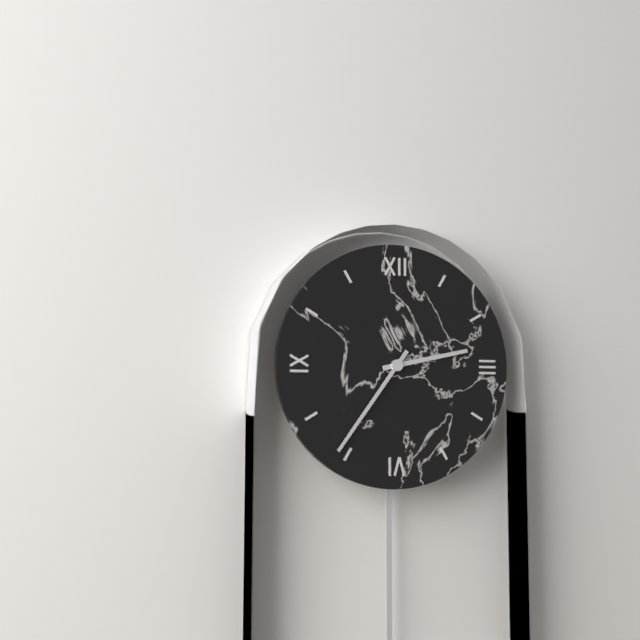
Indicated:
2 h 36 min
